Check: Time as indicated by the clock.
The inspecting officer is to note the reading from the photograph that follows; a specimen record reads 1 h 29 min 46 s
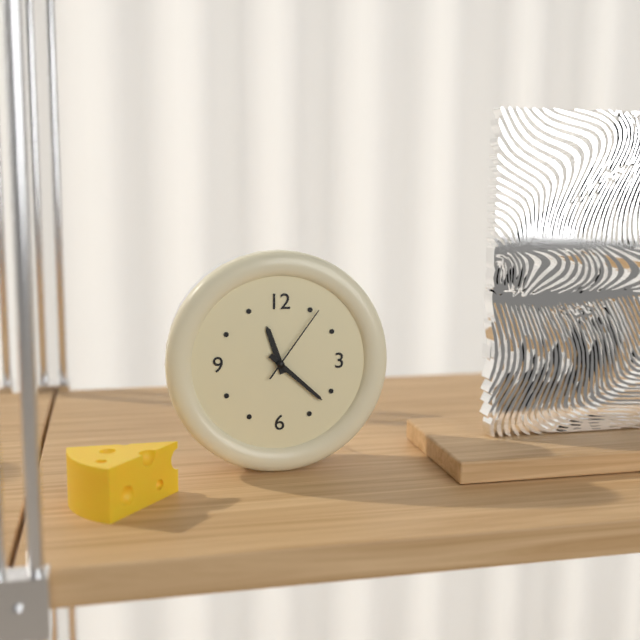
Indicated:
11 h 22 min 06 s
